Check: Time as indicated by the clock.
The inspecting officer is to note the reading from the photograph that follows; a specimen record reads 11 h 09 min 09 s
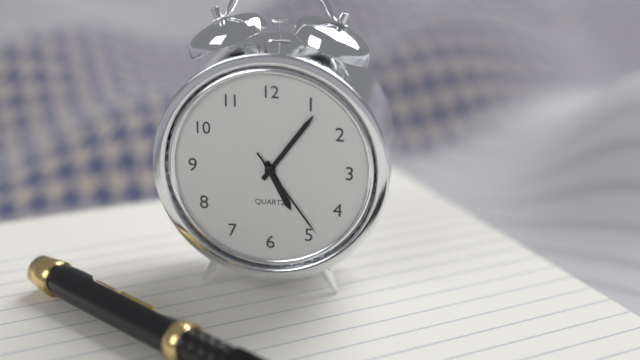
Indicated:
5 h 06 min 24 s
